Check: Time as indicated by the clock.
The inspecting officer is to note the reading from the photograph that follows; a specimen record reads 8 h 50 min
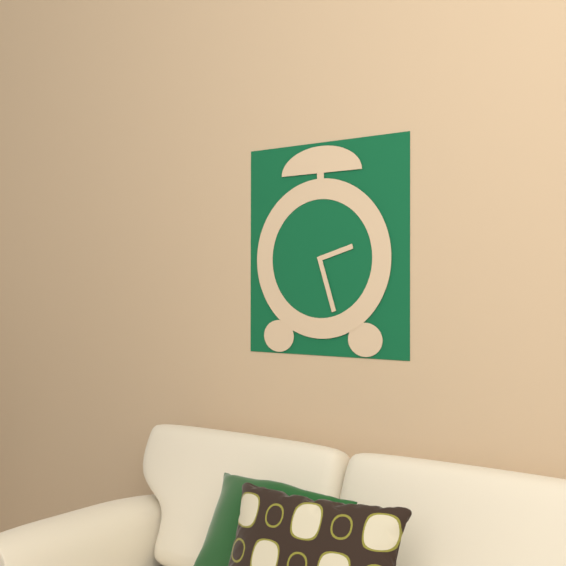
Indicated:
2 h 27 min
